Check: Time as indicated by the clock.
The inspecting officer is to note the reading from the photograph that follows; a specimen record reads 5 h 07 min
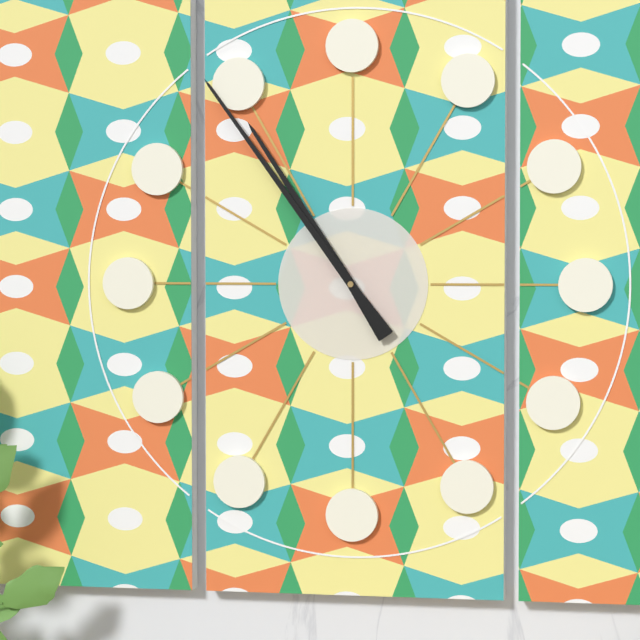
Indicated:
10 h 54 min
